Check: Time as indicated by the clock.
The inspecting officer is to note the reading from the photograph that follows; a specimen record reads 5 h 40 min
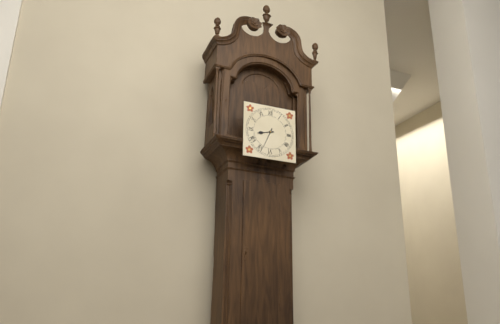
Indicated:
8 h 34 min
